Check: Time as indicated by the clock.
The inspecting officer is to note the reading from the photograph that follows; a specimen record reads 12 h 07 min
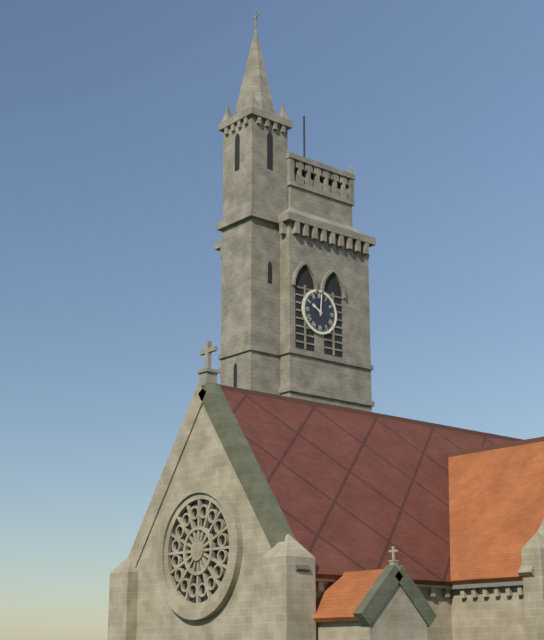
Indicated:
10 h 01 min
